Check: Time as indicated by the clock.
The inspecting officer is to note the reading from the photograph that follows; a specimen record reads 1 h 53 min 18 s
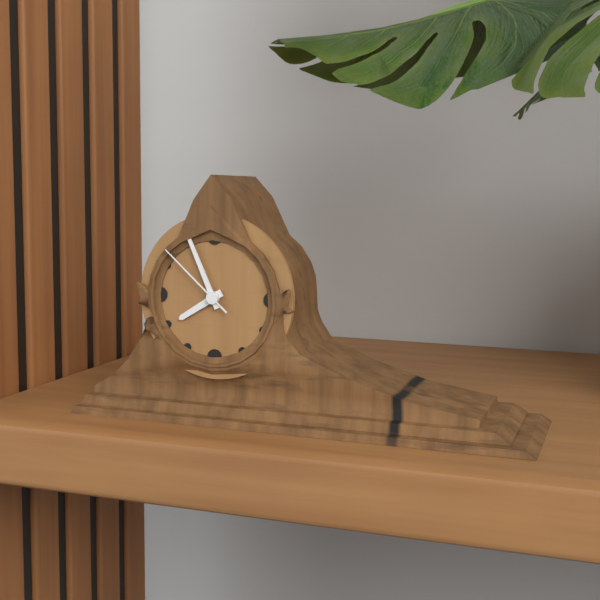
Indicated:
7 h 56 min 52 s
